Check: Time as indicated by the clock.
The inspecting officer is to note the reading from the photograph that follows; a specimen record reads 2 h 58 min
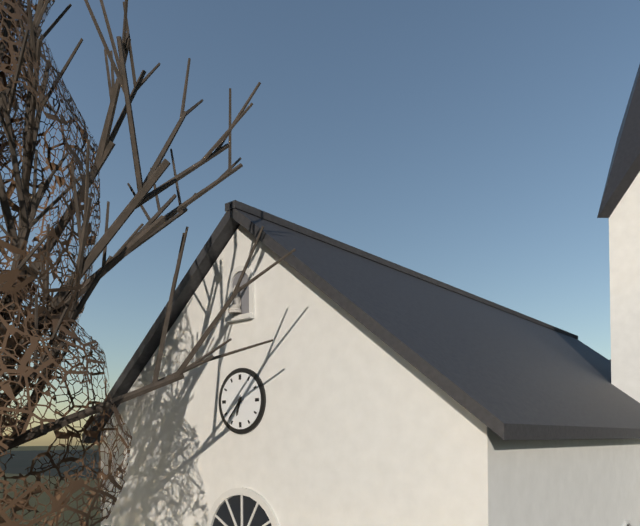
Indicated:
6 h 37 min
